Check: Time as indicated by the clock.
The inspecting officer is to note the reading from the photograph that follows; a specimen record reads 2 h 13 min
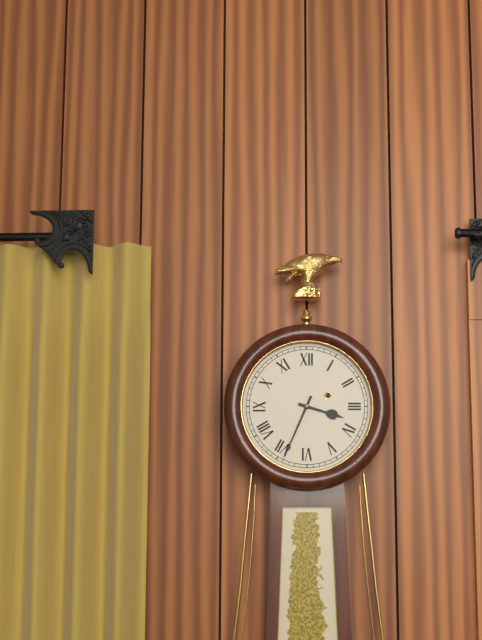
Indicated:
3 h 34 min
